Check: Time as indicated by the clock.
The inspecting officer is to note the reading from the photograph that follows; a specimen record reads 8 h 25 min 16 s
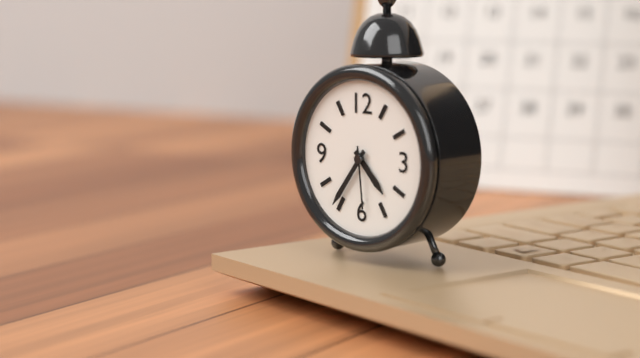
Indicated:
4 h 36 min 29 s
